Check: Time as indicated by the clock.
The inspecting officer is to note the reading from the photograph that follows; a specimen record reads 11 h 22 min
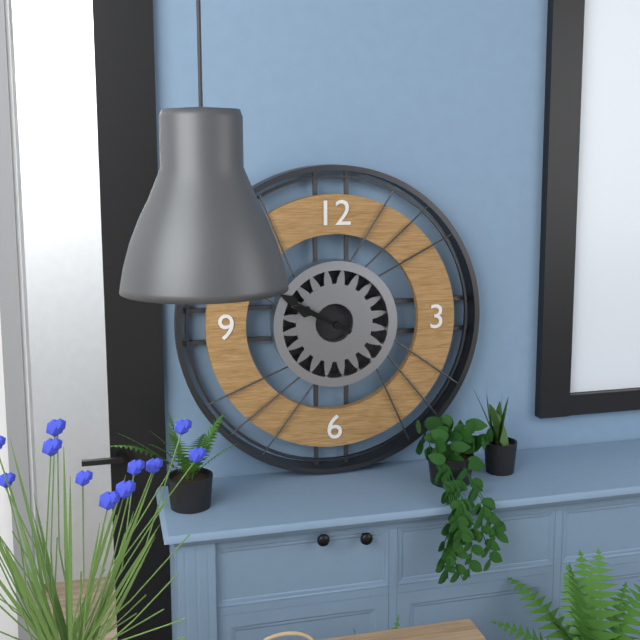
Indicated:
9 h 50 min
